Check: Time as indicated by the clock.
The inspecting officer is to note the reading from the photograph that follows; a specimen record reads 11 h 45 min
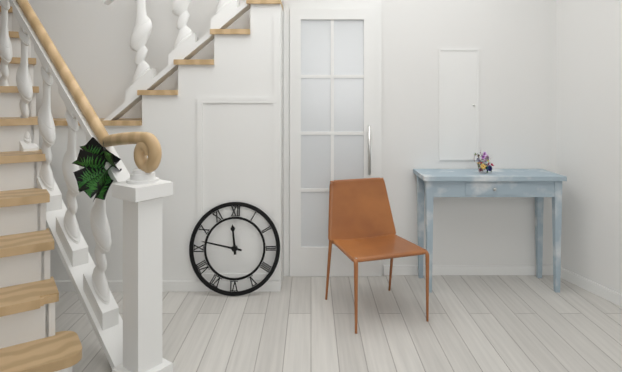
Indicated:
11 h 47 min
